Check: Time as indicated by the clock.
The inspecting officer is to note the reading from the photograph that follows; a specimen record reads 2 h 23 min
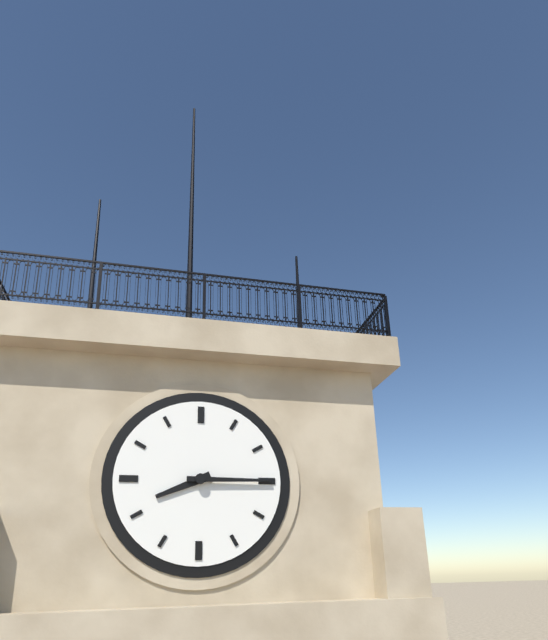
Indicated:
8 h 15 min
